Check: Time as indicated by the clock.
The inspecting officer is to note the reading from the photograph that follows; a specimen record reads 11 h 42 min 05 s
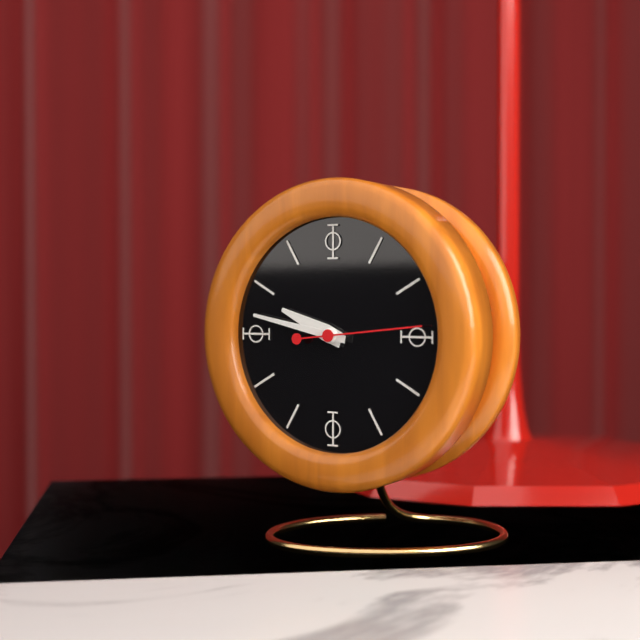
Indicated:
9 h 47 min 14 s
